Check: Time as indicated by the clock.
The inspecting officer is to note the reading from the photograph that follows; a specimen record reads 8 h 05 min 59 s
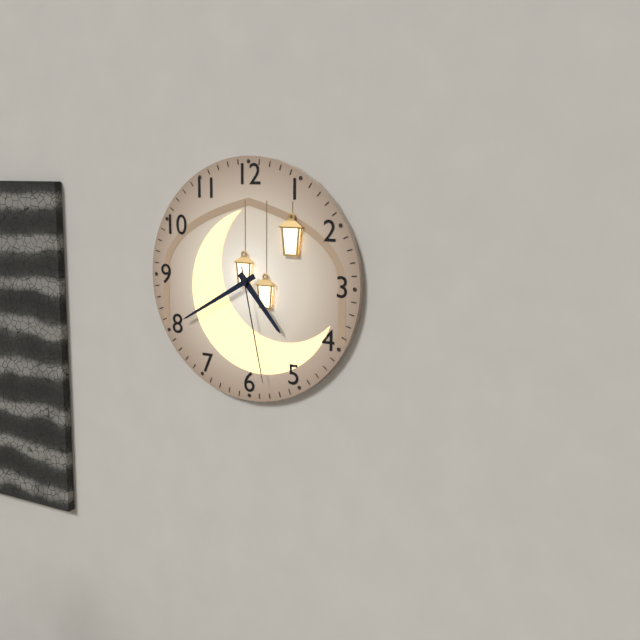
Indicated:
4 h 40 min 28 s
